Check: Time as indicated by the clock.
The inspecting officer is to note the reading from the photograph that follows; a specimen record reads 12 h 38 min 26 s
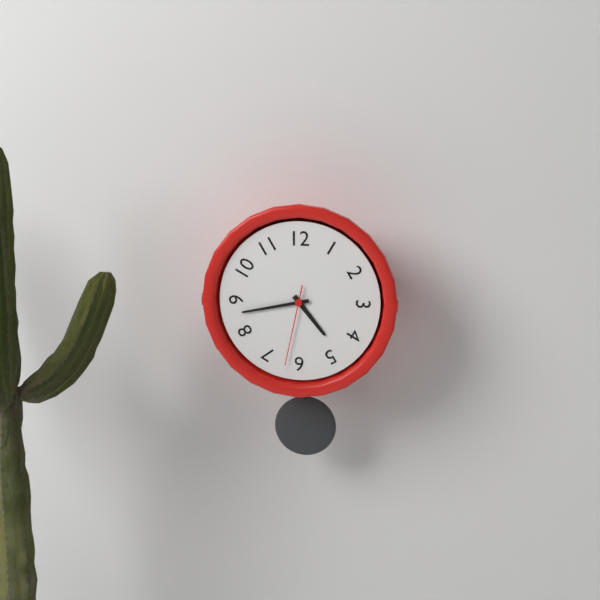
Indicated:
4 h 43 min 32 s
